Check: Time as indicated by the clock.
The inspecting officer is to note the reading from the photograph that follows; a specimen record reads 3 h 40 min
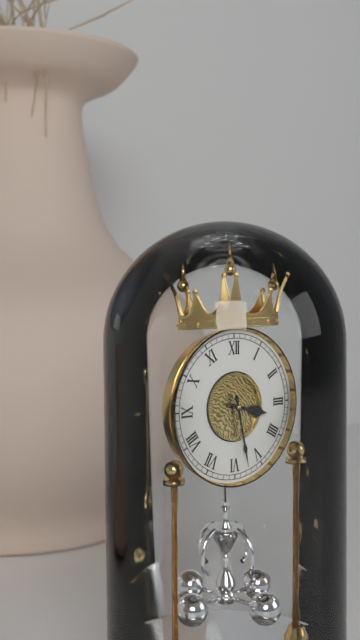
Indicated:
3 h 28 min
